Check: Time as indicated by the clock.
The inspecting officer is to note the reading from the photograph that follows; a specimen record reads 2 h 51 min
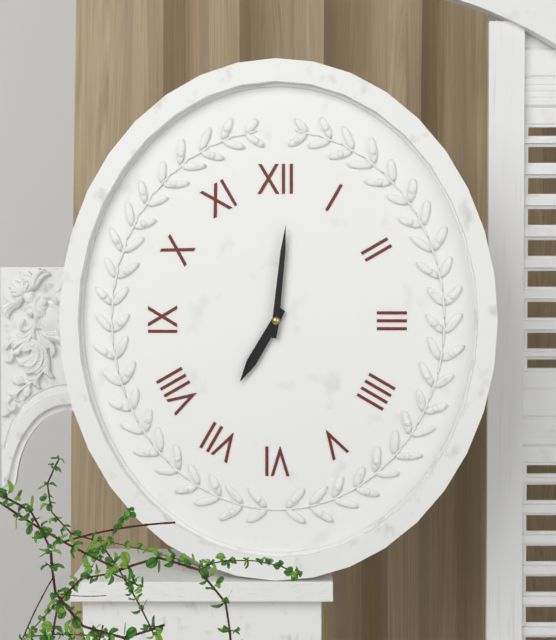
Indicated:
7 h 01 min
